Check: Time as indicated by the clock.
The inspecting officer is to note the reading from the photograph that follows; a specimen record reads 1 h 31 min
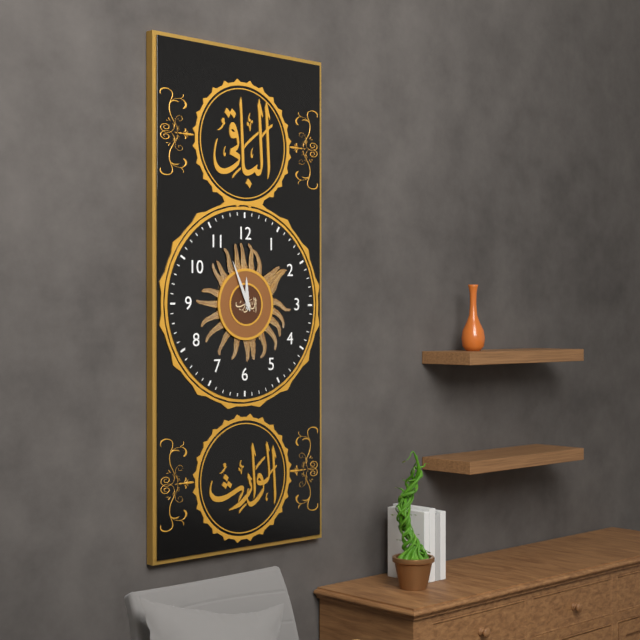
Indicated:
11 h 56 min
